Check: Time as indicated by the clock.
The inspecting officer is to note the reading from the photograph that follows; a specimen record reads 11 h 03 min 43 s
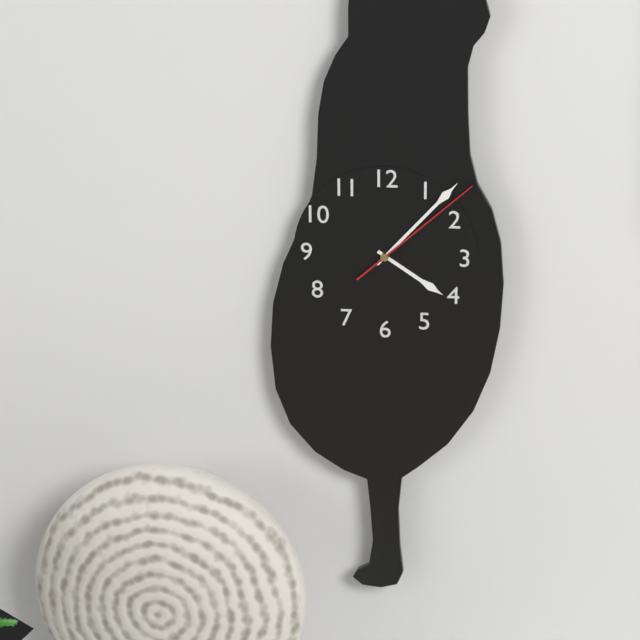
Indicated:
4 h 07 min 08 s
